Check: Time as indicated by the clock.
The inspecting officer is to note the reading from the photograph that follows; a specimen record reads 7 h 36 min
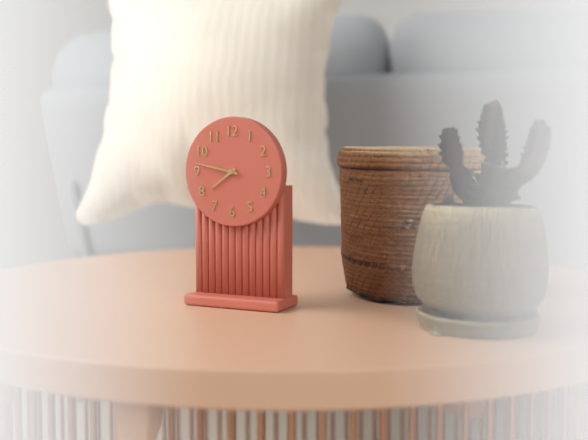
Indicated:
7 h 47 min
